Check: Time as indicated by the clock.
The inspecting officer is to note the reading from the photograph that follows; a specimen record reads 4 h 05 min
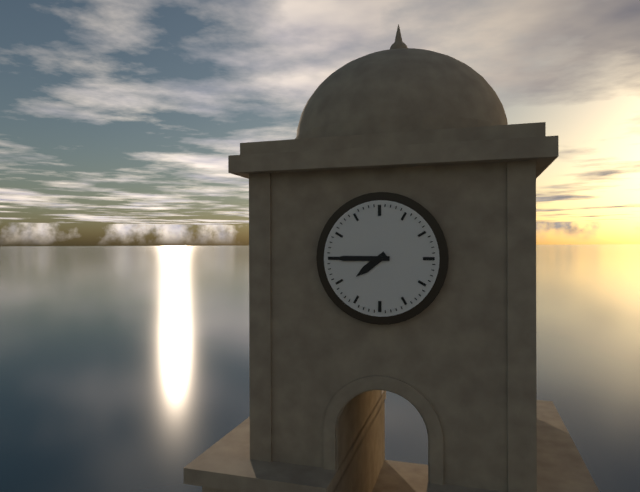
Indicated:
7 h 45 min
